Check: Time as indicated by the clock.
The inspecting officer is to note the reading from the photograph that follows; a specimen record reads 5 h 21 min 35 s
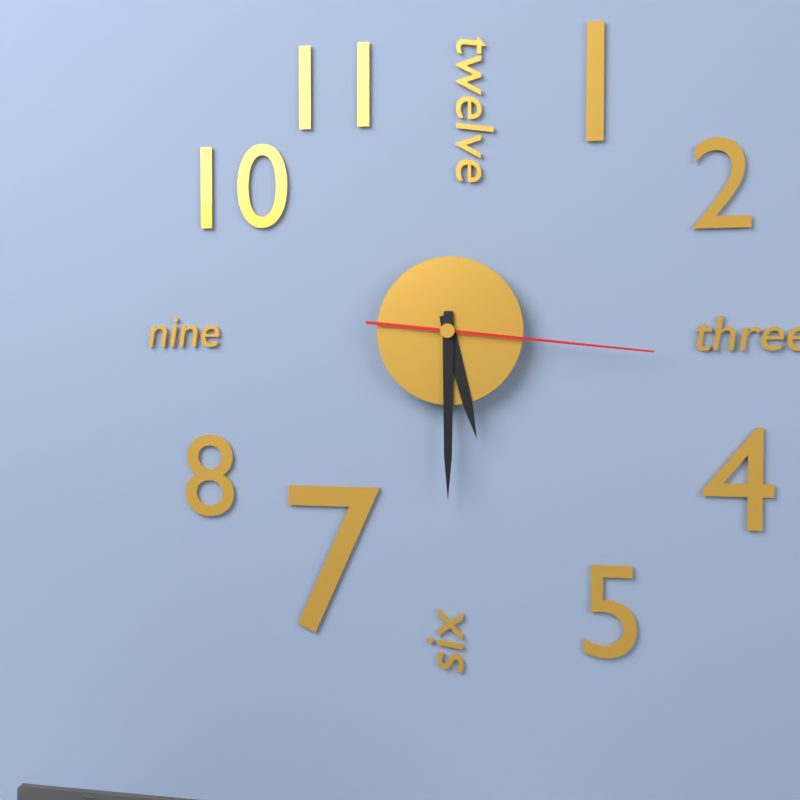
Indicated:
5 h 30 min 16 s
